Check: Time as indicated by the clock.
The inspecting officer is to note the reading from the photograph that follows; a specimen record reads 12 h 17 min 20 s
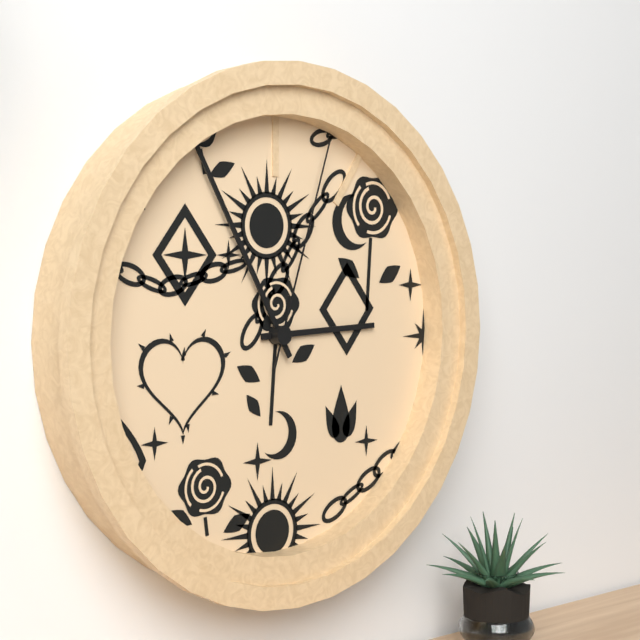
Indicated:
2 h 55 min 03 s
